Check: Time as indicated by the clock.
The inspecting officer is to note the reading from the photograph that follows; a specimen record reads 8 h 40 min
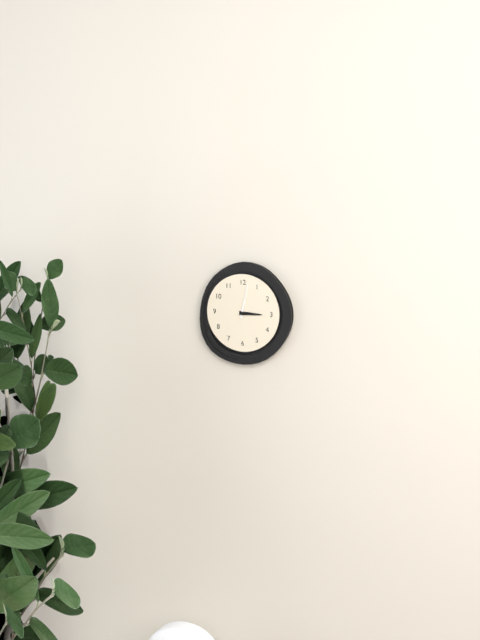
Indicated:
3 h 02 min
